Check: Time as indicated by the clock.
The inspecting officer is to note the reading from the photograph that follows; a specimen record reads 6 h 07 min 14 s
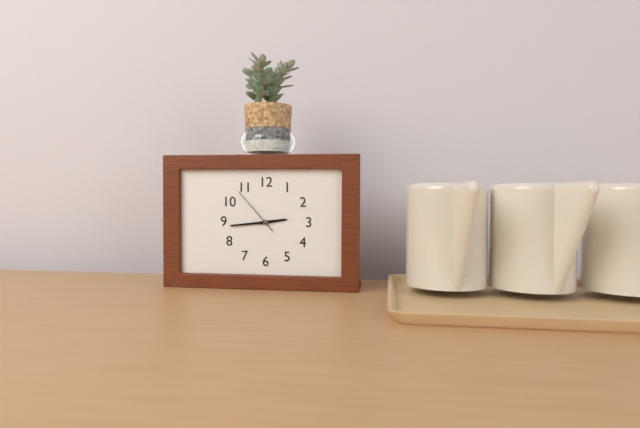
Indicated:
2 h 44 min 53 s
